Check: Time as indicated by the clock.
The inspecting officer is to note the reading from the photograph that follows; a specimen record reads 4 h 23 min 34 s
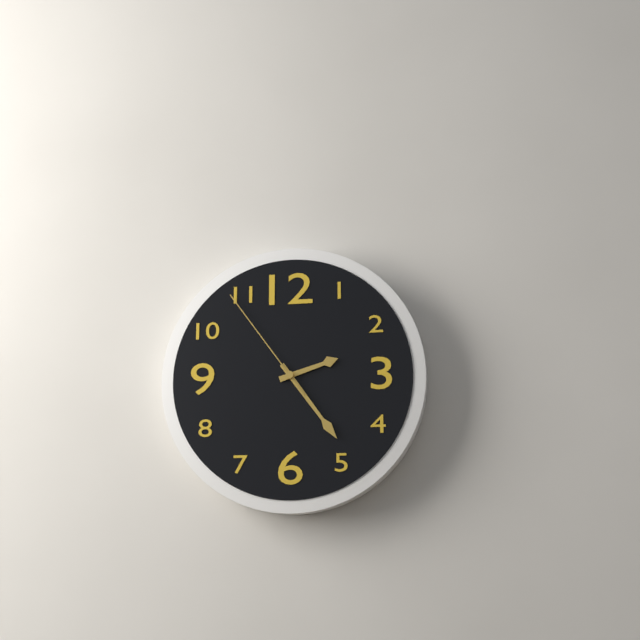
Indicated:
2 h 24 min 54 s
